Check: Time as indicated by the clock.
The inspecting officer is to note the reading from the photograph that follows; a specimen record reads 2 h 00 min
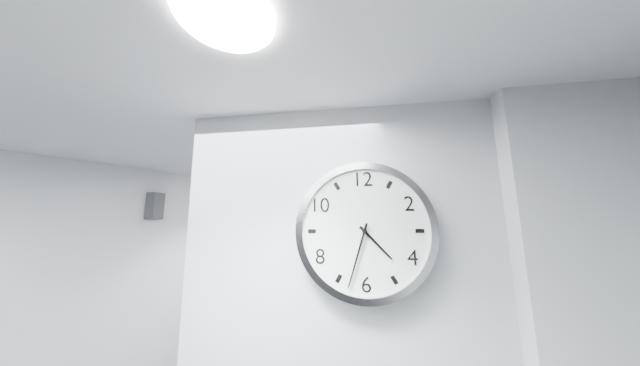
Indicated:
4 h 33 min
